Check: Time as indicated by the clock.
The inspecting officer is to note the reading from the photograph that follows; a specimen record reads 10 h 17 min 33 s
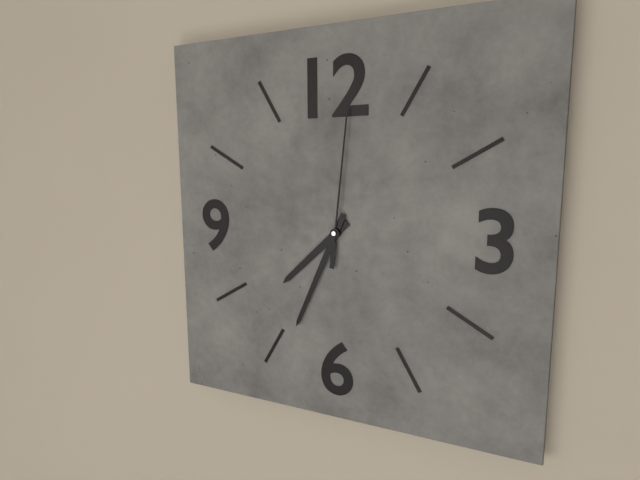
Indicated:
7 h 34 min 01 s
